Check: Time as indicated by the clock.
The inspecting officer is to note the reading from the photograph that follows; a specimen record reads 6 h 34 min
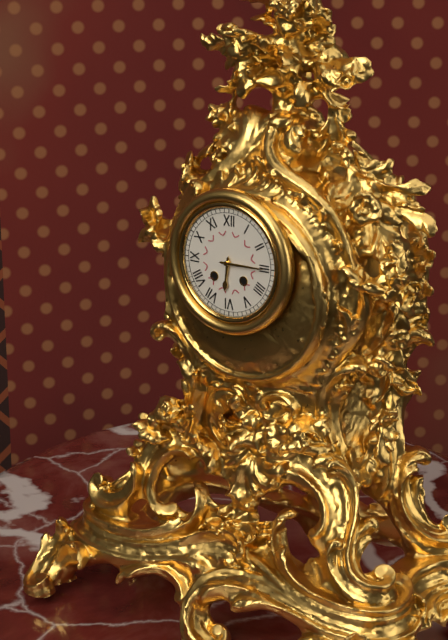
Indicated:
6 h 15 min
